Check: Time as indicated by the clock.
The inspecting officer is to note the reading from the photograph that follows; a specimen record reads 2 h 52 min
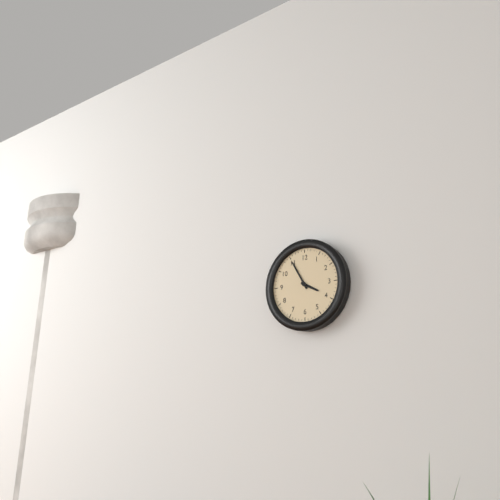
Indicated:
3 h 55 min
